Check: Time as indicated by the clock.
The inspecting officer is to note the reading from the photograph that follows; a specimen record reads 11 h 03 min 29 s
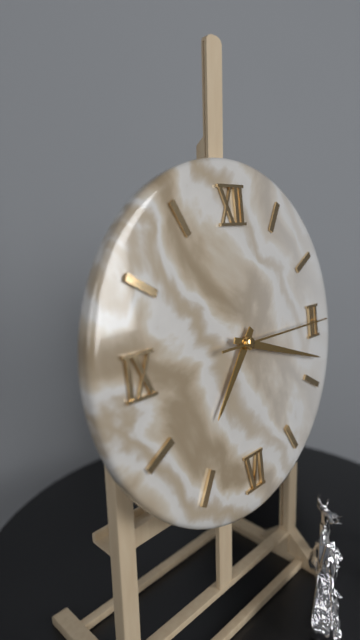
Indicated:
7 h 18 min 15 s
